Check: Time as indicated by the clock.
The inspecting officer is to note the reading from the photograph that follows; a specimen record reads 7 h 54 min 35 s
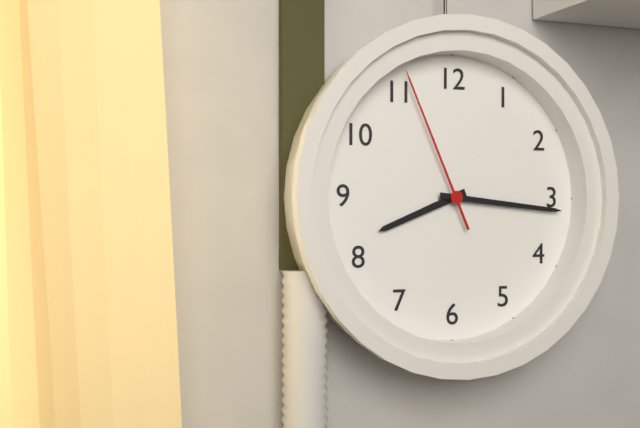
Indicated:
8 h 16 min 56 s
